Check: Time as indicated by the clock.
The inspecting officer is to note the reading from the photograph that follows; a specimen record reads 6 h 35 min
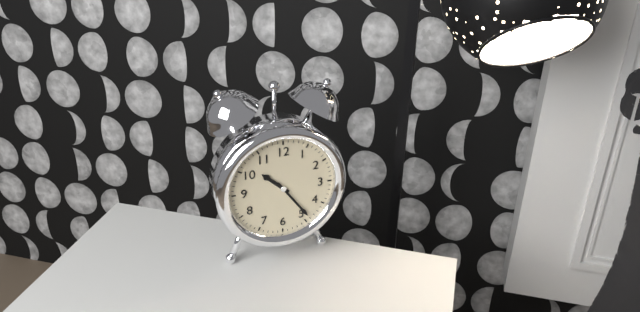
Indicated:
10 h 24 min
